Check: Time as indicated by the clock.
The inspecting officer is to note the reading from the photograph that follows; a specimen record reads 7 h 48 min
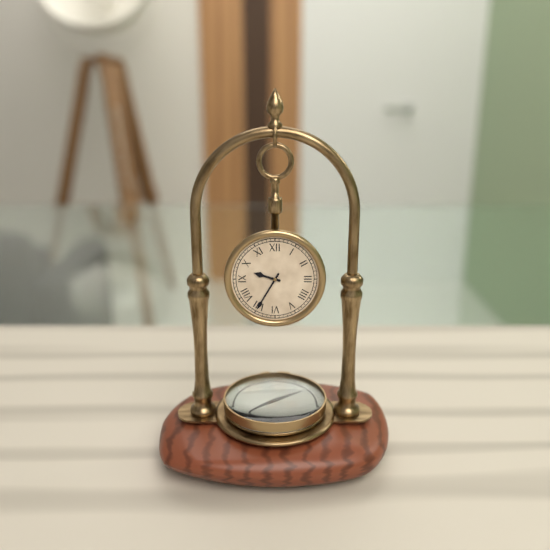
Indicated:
9 h 35 min
